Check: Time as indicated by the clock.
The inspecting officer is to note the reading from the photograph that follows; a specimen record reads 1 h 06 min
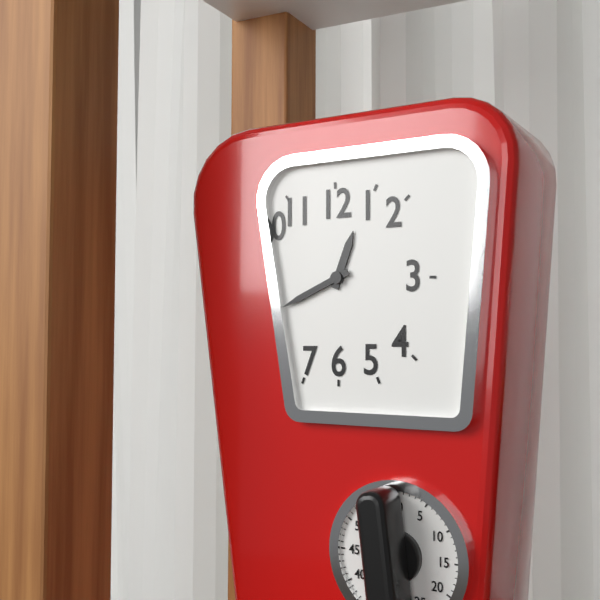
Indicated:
12 h 41 min
